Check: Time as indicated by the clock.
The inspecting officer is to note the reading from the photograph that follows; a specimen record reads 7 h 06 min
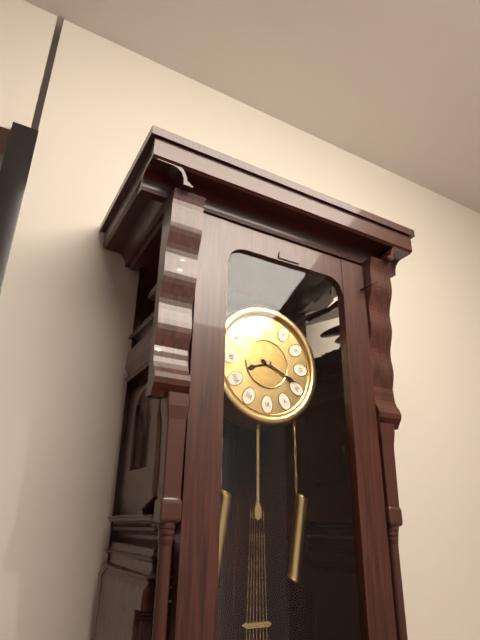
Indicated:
8 h 19 min
